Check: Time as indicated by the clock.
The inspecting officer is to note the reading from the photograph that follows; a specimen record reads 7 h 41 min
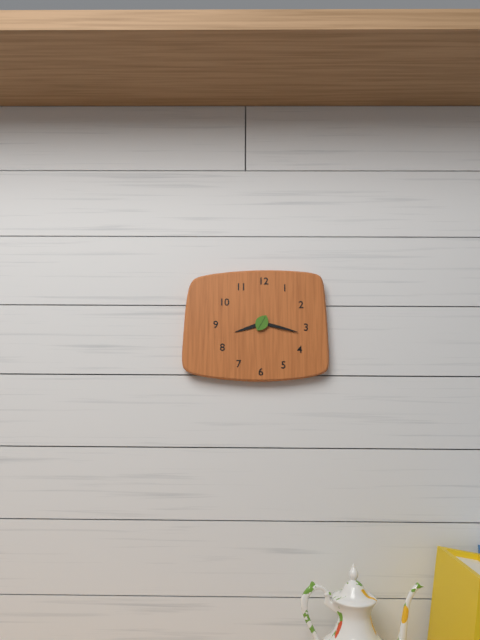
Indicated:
8 h 17 min
